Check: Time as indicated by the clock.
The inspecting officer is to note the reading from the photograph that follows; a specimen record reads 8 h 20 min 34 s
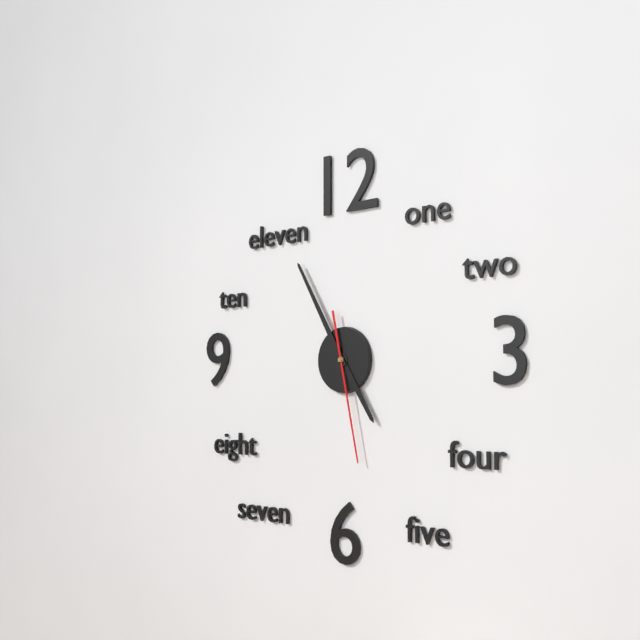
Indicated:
4 h 55 min 28 s
